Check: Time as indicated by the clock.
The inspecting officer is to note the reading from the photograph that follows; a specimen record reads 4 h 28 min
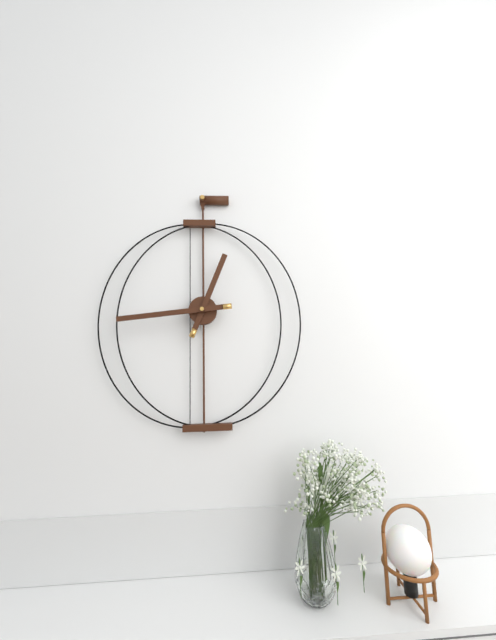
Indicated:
12 h 44 min
